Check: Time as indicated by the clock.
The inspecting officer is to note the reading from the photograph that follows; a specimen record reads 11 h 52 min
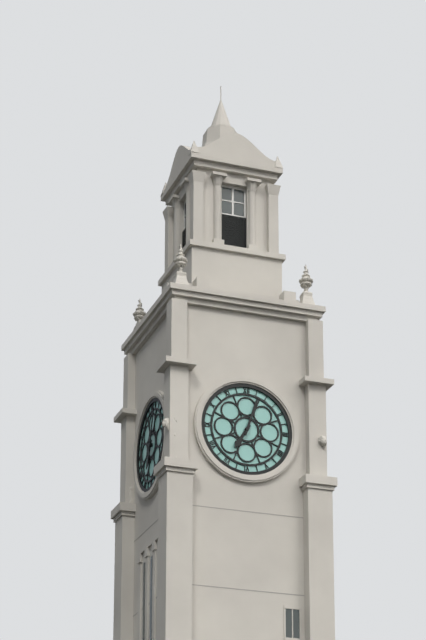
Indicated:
7 h 03 min
